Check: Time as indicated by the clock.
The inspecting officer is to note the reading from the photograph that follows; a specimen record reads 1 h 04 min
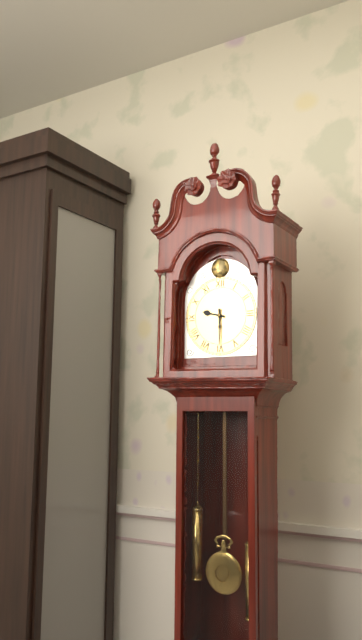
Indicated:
9 h 30 min
